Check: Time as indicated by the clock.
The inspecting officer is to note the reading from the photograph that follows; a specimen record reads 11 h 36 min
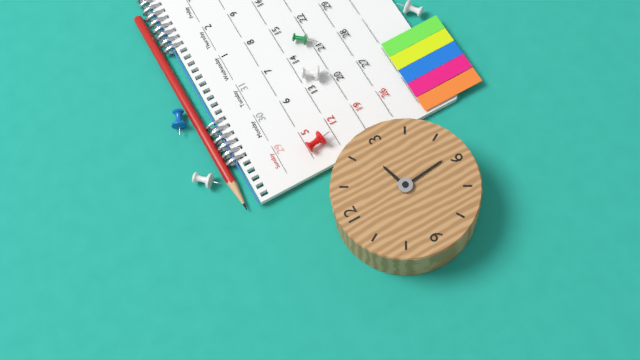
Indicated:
2 h 29 min
